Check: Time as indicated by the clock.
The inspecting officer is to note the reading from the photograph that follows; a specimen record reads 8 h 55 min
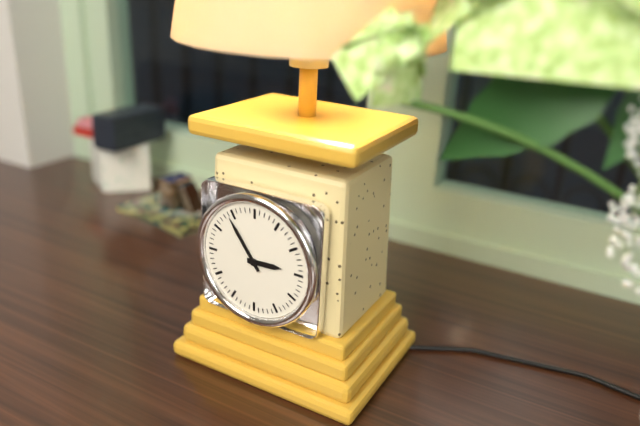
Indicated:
2 h 54 min
